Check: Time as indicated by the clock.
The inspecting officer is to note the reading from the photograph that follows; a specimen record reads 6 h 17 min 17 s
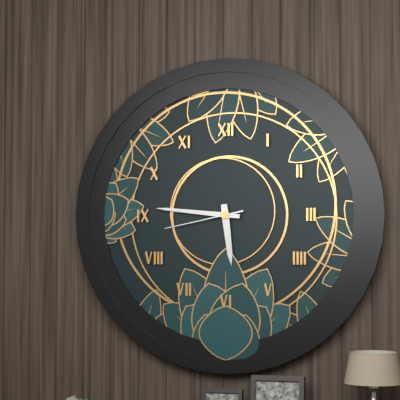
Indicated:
5 h 46 min 43 s
